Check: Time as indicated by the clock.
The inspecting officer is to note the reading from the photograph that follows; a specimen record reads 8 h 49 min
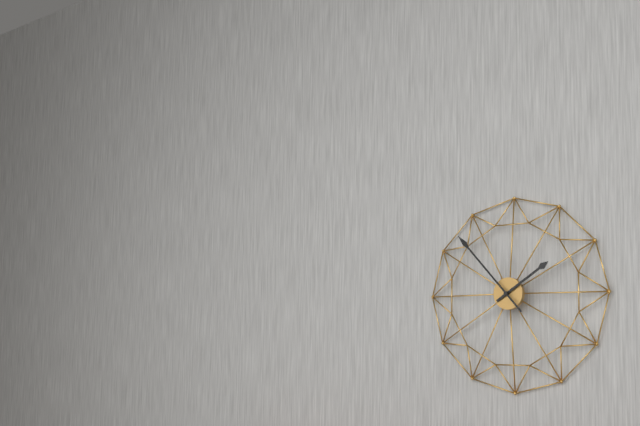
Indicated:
1 h 53 min
